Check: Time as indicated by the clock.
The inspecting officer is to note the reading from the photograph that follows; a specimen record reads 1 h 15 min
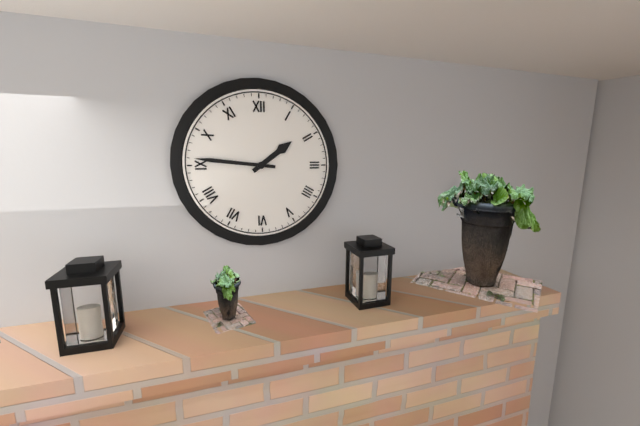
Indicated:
1 h 46 min
